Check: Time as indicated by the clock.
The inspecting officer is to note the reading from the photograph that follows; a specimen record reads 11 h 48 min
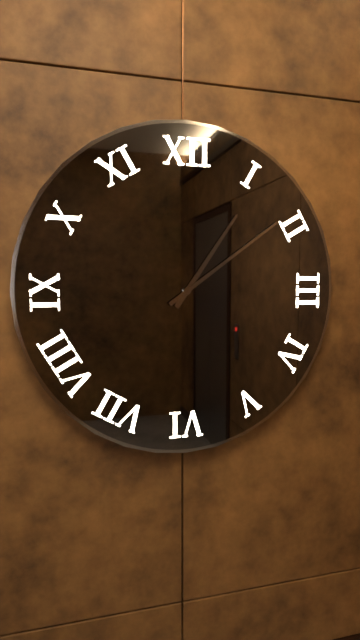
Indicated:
1 h 09 min
